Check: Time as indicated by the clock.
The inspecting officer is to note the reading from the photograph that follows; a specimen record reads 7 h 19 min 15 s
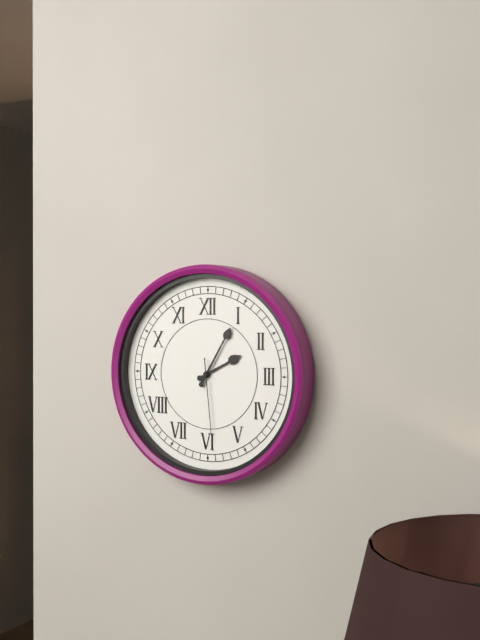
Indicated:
2 h 05 min 29 s
